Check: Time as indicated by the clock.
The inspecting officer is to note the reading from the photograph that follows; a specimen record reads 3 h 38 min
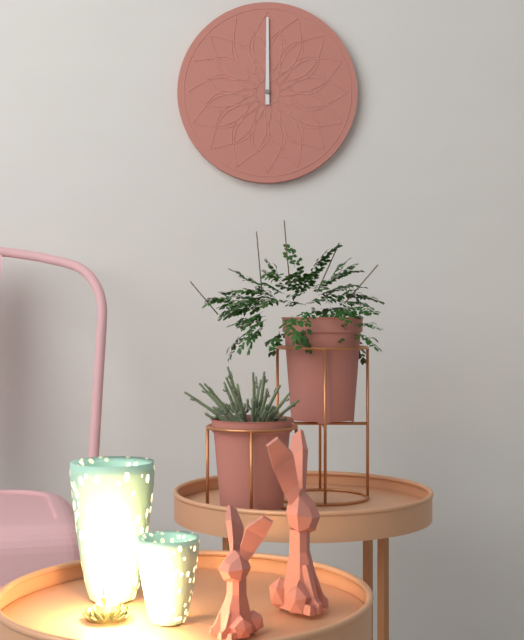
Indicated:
12 h 00 min
